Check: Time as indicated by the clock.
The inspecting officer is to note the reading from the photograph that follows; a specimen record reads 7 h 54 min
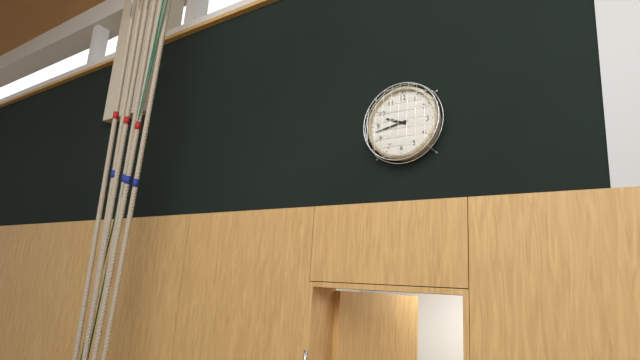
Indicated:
9 h 43 min
